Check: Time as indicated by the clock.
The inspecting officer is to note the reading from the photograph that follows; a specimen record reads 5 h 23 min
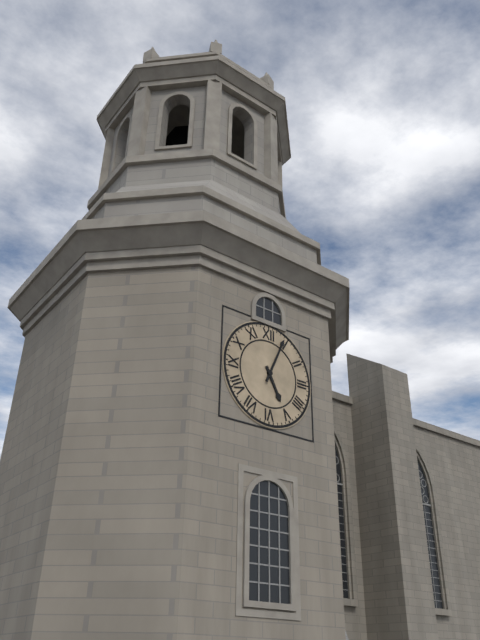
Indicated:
5 h 04 min
